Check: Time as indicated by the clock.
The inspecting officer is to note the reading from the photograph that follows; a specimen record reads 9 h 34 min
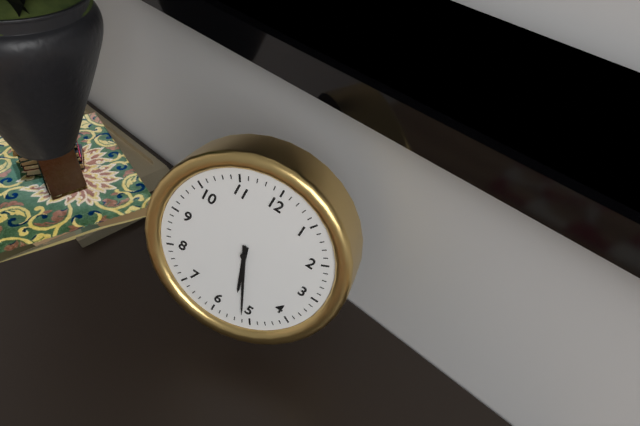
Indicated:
5 h 26 min
